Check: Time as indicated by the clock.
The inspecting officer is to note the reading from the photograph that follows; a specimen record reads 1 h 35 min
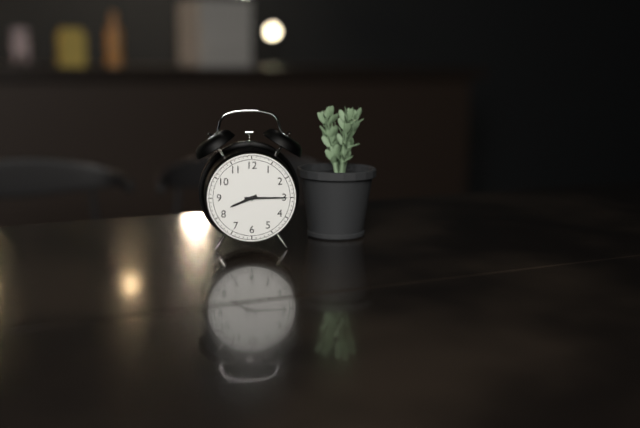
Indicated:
8 h 15 min
